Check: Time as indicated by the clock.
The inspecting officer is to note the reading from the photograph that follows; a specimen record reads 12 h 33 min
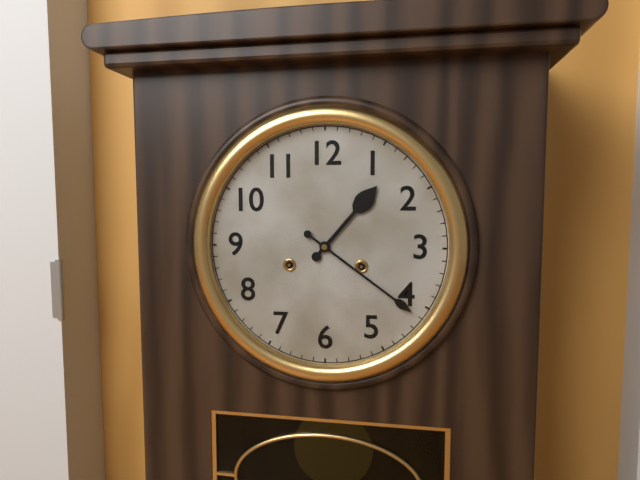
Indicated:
1 h 21 min
